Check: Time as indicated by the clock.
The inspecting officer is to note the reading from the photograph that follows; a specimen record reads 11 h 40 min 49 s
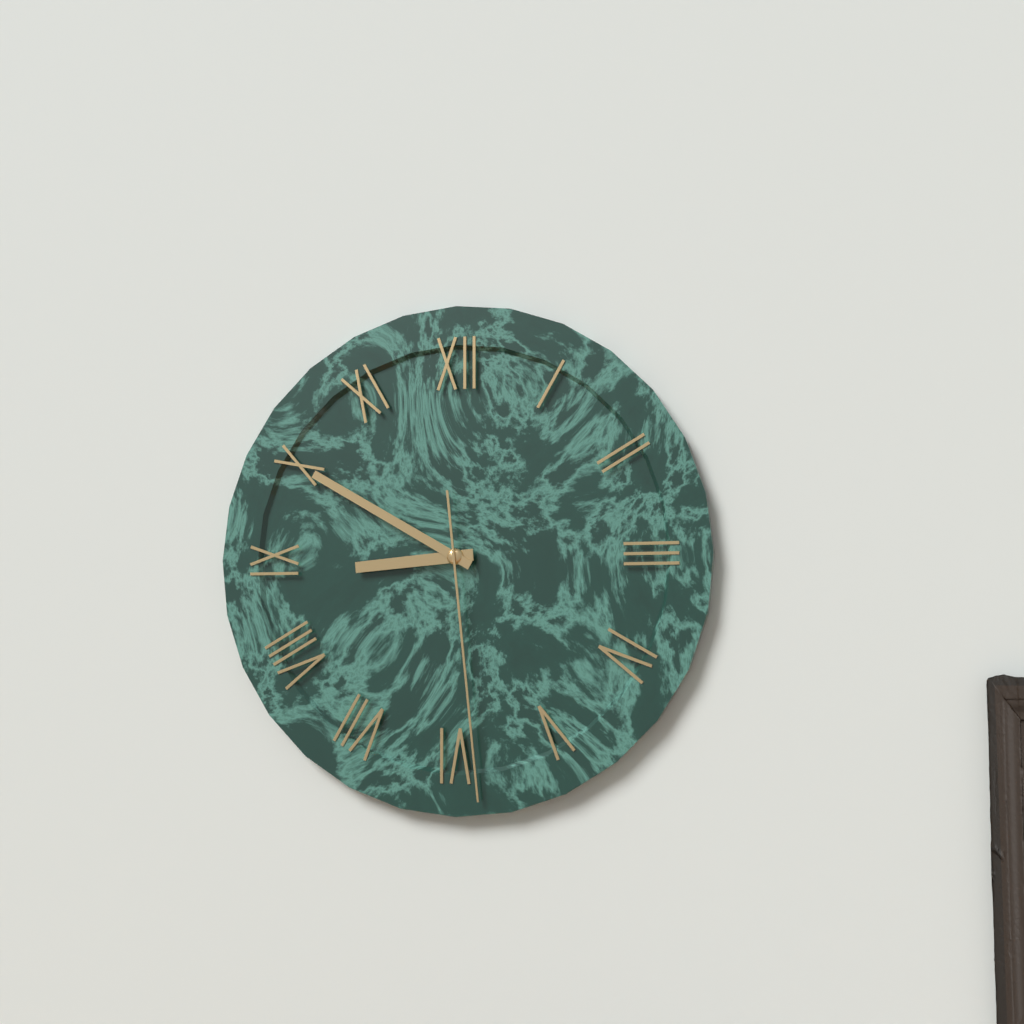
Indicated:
8 h 50 min 29 s
